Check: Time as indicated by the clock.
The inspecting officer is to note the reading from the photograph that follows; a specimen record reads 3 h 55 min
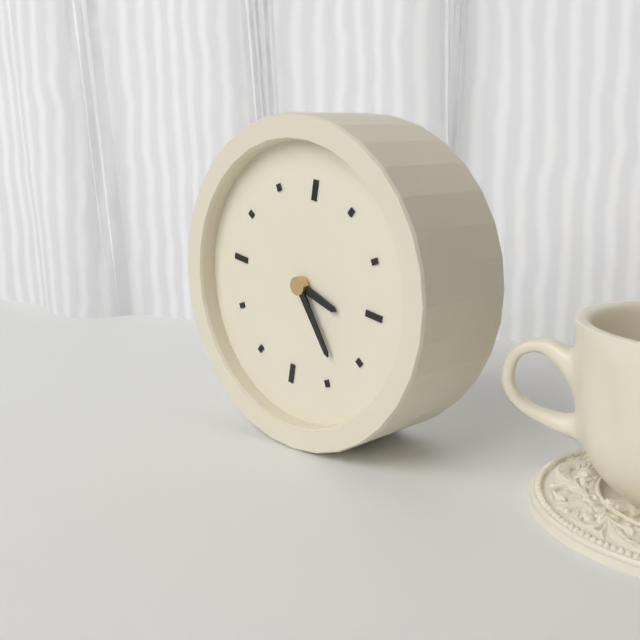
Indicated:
3 h 23 min
